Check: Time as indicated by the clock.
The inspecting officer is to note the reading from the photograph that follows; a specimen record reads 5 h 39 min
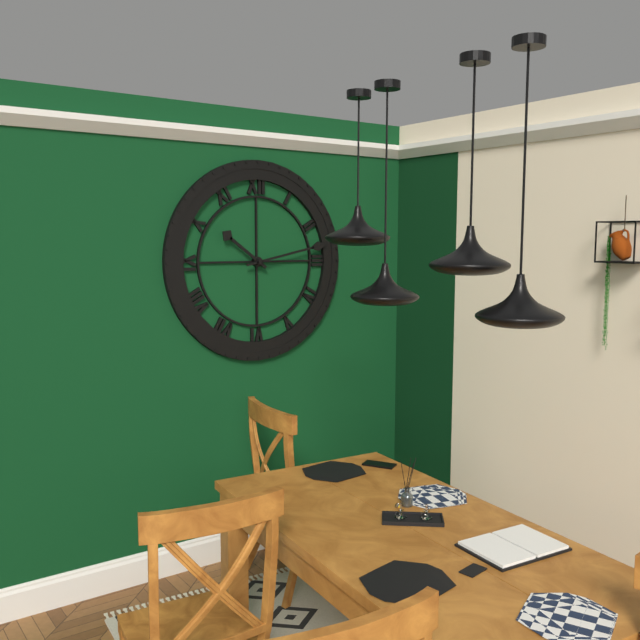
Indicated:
10 h 13 min
